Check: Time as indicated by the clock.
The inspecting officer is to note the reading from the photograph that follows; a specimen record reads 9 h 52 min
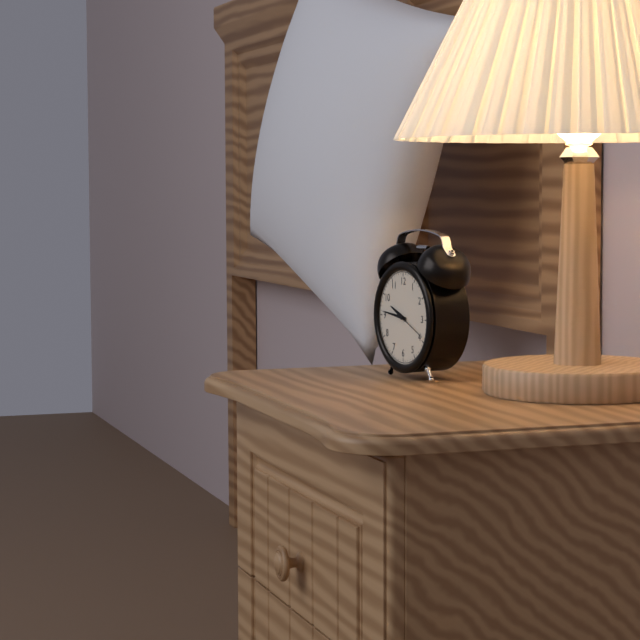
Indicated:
9 h 46 min
